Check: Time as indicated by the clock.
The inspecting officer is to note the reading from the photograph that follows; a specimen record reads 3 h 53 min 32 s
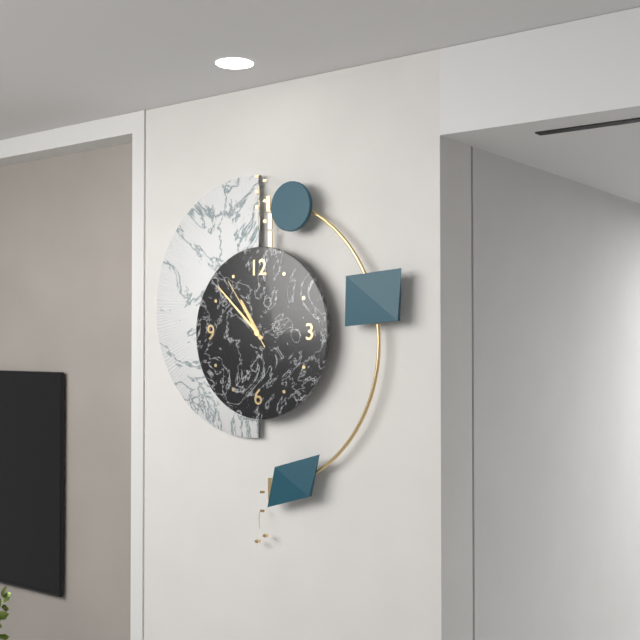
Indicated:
10 h 52 min 54 s
